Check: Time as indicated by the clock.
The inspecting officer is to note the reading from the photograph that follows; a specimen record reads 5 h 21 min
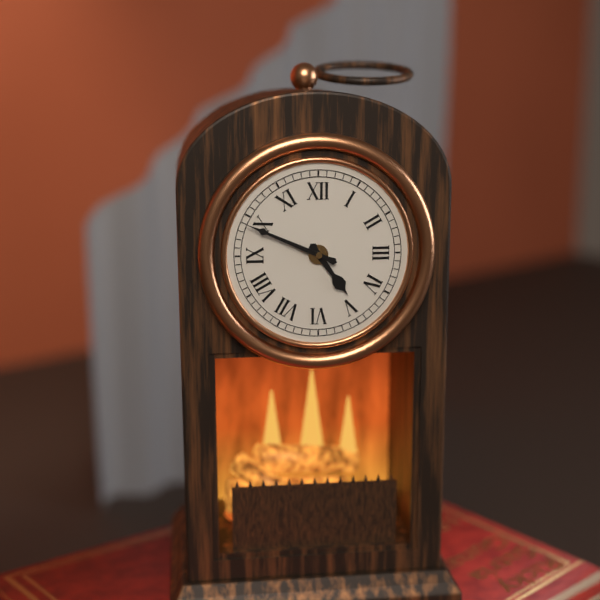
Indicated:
4 h 49 min
